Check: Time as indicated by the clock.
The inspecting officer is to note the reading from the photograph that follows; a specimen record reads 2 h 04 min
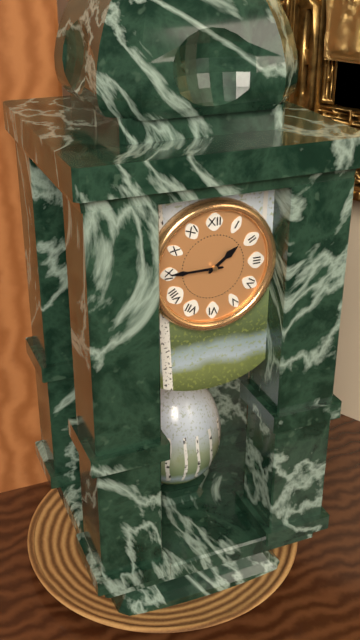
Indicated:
1 h 45 min
